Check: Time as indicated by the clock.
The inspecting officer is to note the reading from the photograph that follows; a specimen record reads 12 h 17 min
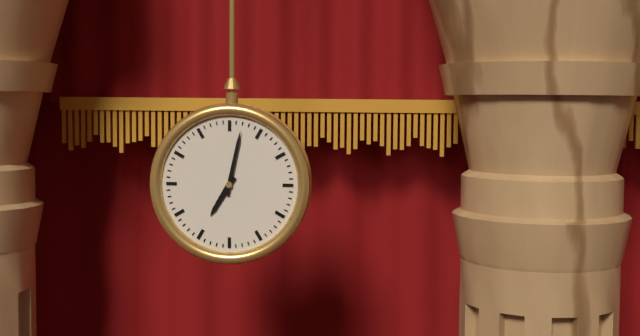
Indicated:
7 h 02 min
